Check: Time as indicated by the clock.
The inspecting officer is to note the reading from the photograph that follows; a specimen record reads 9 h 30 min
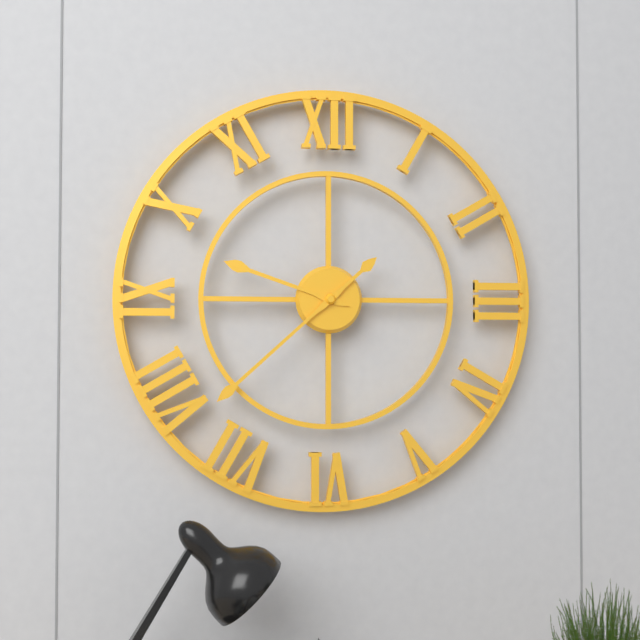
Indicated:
9 h 38 min
